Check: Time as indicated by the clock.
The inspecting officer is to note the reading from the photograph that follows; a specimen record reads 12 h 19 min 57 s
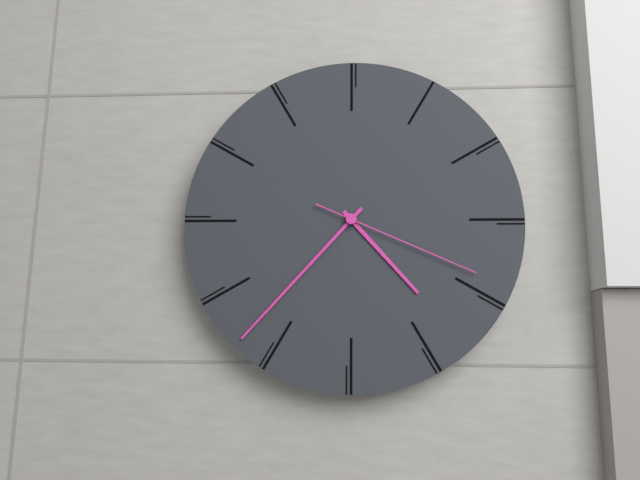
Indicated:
4 h 37 min 19 s
